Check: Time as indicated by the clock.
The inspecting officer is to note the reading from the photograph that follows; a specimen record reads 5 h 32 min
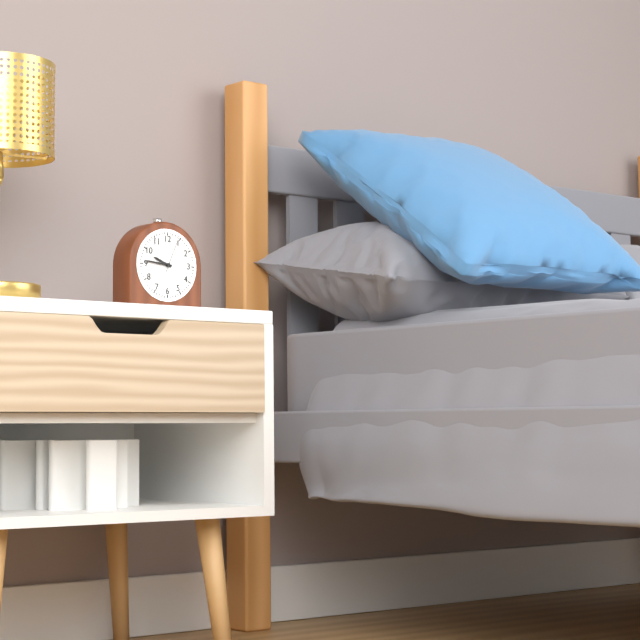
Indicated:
9 h 46 min
